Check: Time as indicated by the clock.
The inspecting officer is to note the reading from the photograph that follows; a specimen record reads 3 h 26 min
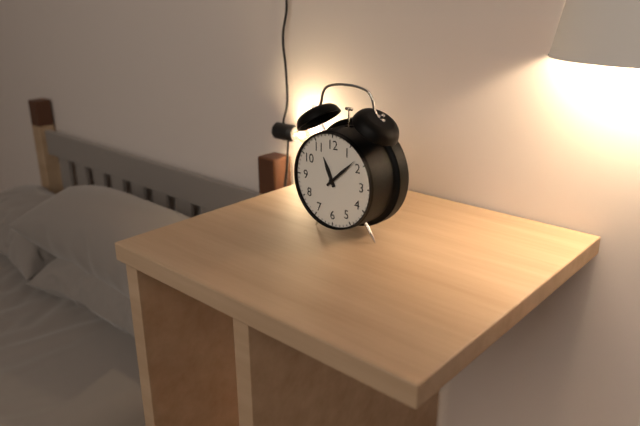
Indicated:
11 h 08 min
